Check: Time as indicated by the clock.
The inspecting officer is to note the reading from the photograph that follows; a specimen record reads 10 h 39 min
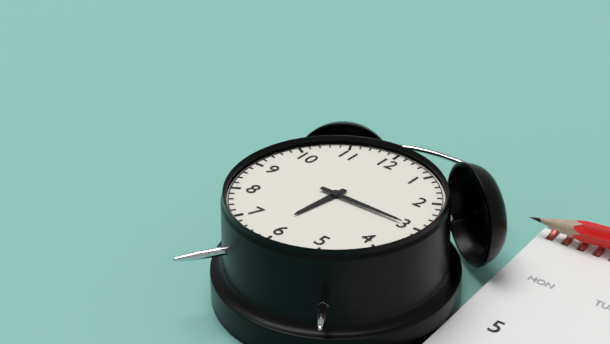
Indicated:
6 h 15 min
